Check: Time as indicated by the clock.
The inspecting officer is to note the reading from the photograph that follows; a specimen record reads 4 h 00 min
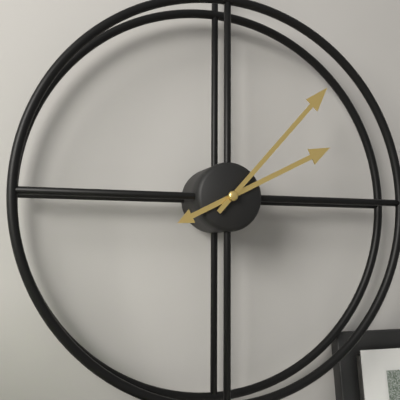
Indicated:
2 h 07 min
